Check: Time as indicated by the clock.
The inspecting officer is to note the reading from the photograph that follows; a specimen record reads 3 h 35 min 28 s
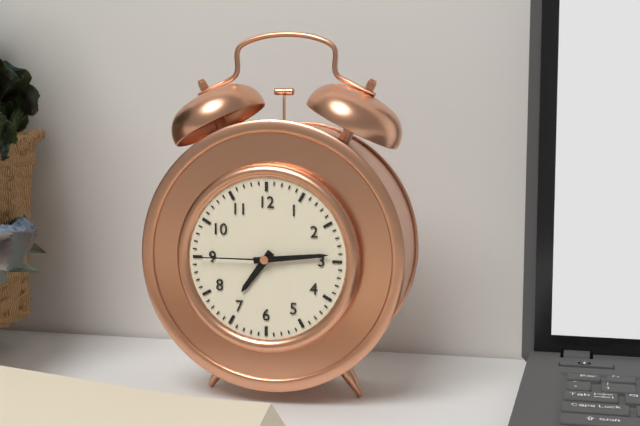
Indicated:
7 h 14 min 45 s
